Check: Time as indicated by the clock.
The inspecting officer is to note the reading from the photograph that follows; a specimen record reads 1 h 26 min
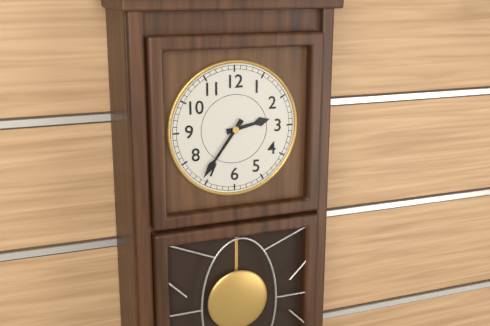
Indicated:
2 h 36 min
